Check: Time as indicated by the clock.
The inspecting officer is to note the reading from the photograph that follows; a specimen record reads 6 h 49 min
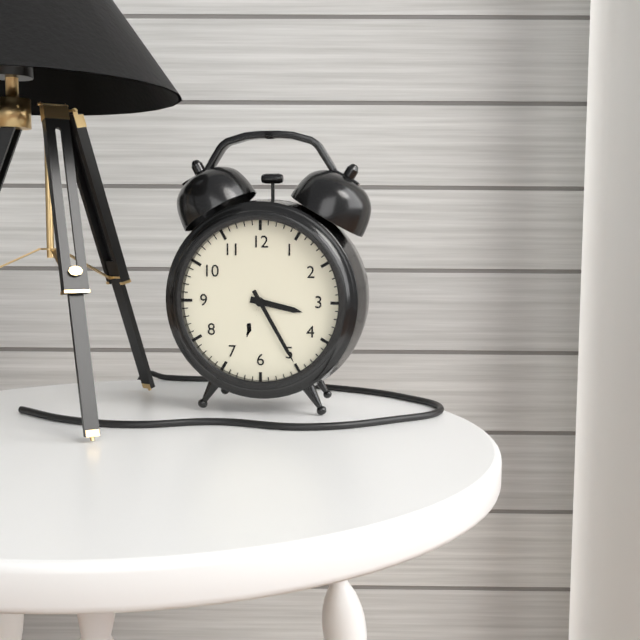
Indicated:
3 h 25 min
